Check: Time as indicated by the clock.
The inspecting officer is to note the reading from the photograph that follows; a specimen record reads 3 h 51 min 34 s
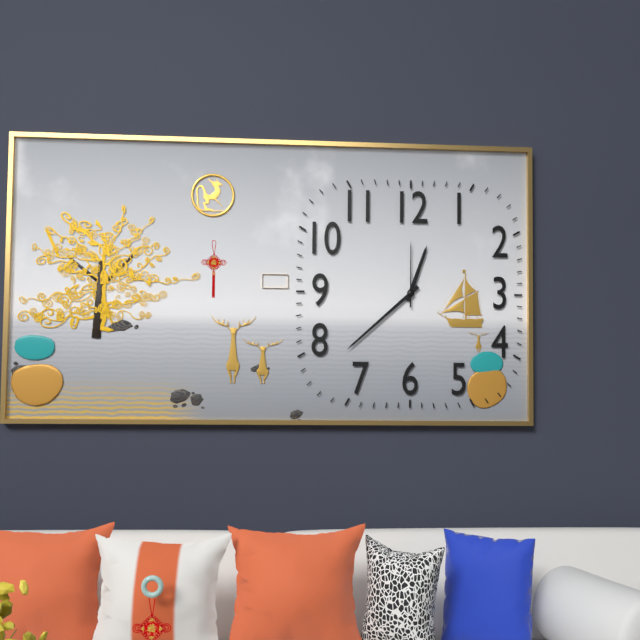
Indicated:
12 h 38 min 00 s
